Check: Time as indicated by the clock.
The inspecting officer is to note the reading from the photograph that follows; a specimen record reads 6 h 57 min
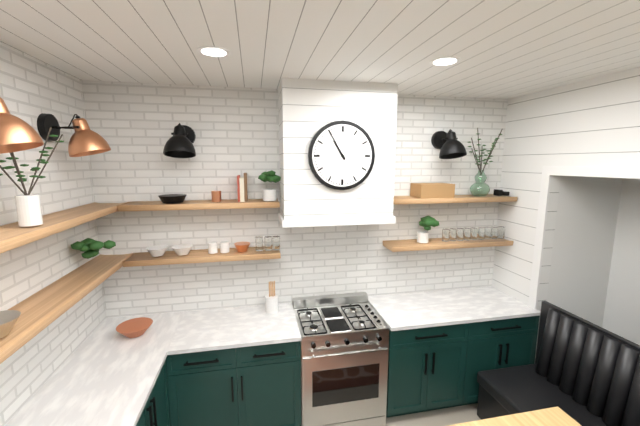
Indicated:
10 h 55 min
